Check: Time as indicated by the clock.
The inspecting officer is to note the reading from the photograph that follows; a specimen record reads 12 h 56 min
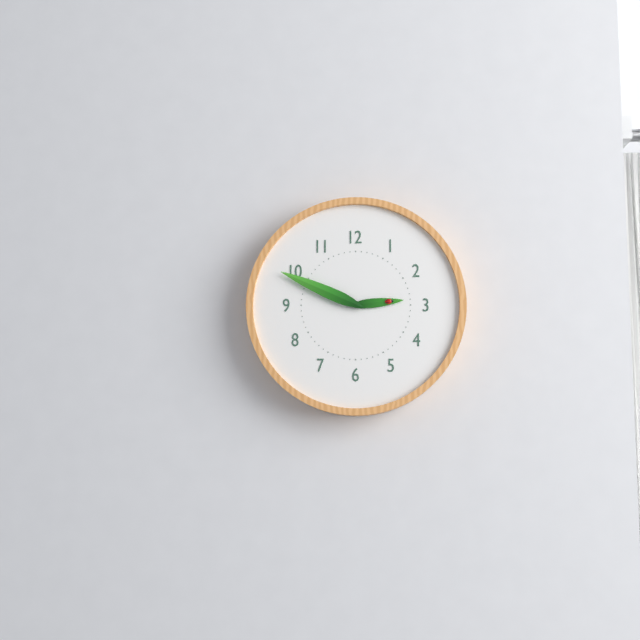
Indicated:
2 h 49 min
